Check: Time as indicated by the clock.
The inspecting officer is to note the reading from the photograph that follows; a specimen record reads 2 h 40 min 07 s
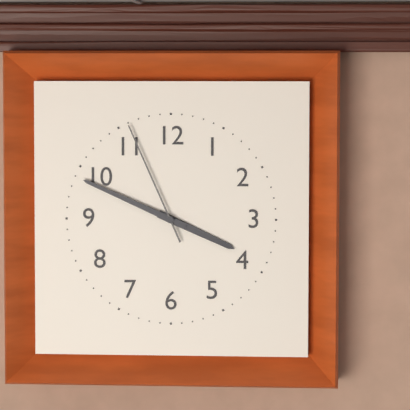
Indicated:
3 h 49 min 56 s
